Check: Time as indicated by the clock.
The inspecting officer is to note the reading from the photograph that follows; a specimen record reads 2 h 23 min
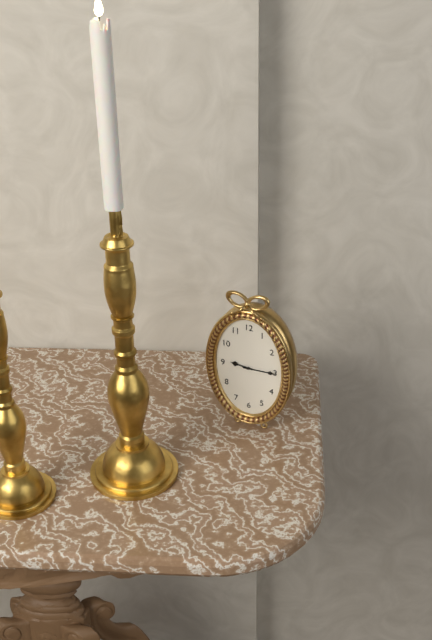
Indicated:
9 h 15 min
